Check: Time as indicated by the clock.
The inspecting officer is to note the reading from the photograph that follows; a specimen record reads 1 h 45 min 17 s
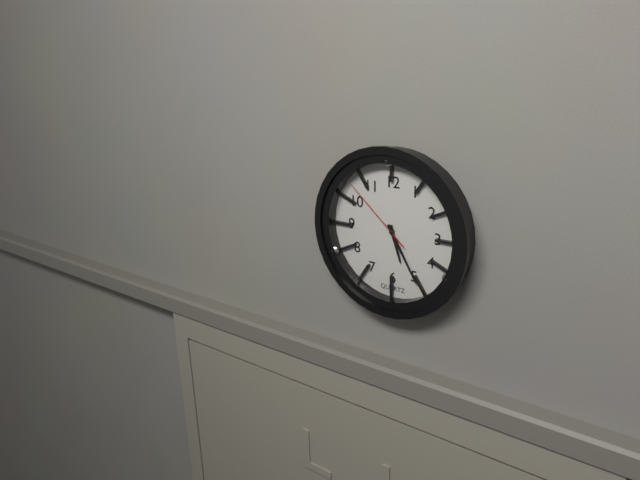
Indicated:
5 h 25 min 52 s
